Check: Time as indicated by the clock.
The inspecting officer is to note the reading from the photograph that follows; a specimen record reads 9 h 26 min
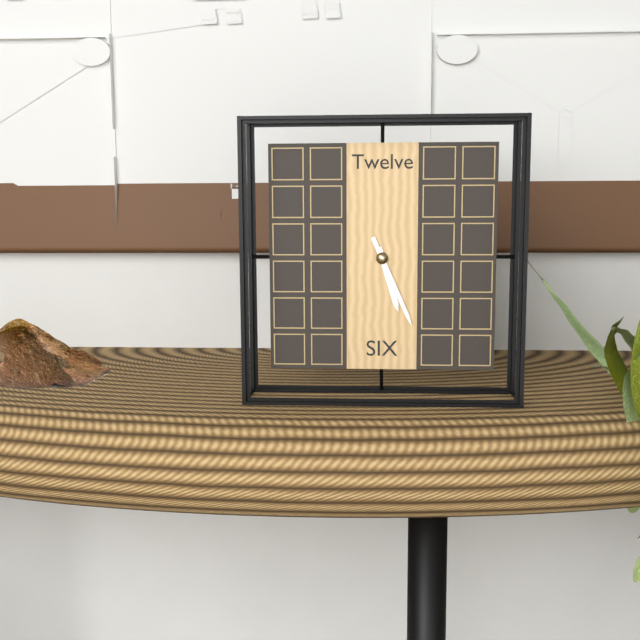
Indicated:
5 h 26 min
